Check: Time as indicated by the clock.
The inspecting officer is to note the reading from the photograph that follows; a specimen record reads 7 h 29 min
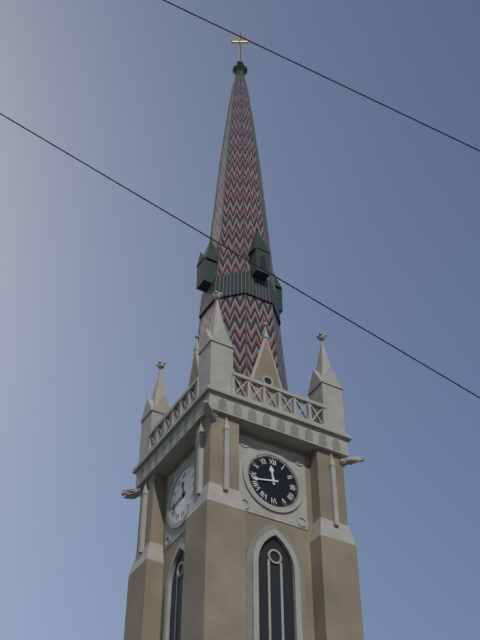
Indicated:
11 h 43 min
